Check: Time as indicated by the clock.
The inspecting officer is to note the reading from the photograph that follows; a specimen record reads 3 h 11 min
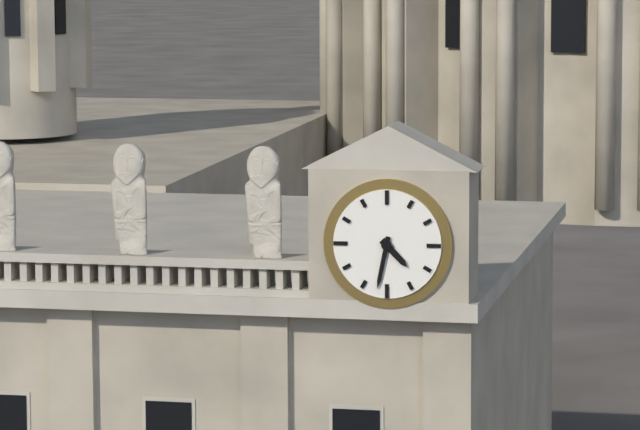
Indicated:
4 h 32 min
